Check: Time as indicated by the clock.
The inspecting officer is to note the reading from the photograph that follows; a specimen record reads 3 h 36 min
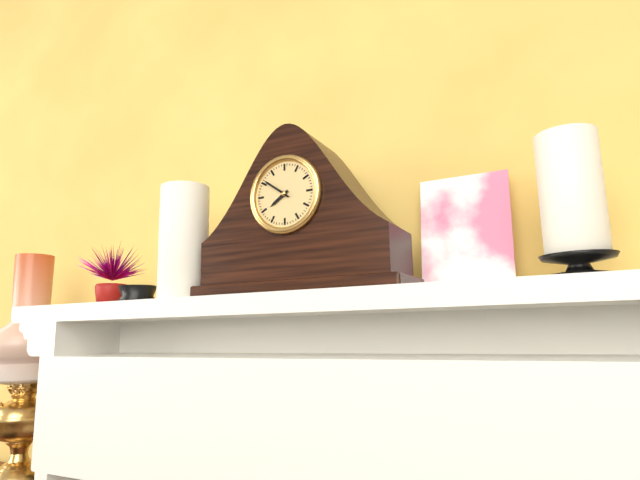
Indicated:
7 h 51 min
